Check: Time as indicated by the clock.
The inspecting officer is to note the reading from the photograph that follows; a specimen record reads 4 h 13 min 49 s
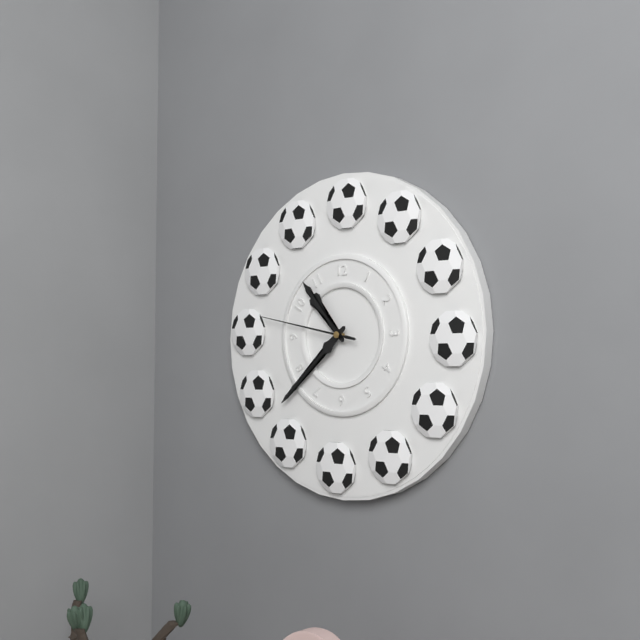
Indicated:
10 h 38 min 47 s
